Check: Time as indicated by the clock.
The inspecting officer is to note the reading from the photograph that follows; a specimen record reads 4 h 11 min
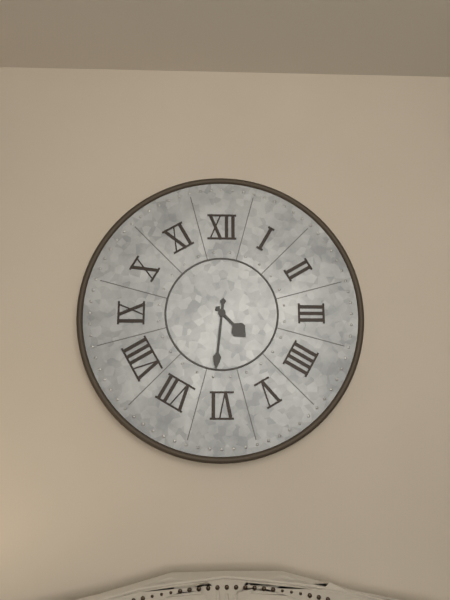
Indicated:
4 h 31 min
